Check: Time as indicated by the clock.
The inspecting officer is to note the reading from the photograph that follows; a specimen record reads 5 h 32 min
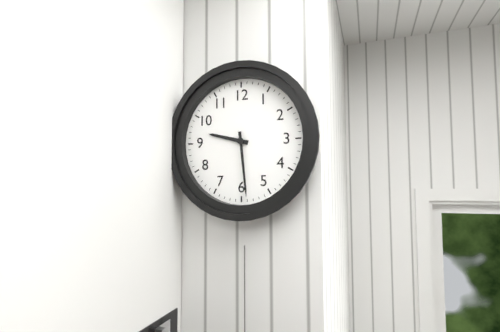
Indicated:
9 h 29 min
